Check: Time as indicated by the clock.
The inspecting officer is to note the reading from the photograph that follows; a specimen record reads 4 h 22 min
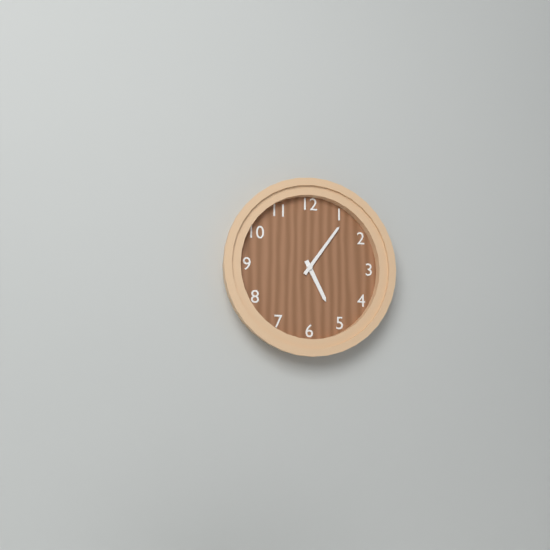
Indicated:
5 h 06 min
